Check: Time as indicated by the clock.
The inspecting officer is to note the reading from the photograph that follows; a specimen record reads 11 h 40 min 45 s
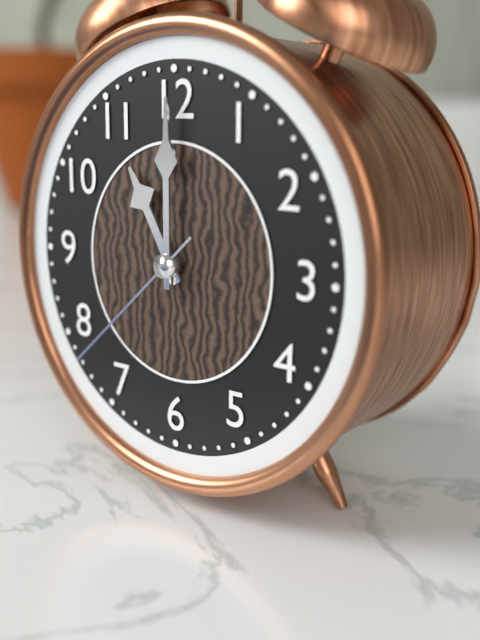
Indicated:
11 h 00 min 38 s
